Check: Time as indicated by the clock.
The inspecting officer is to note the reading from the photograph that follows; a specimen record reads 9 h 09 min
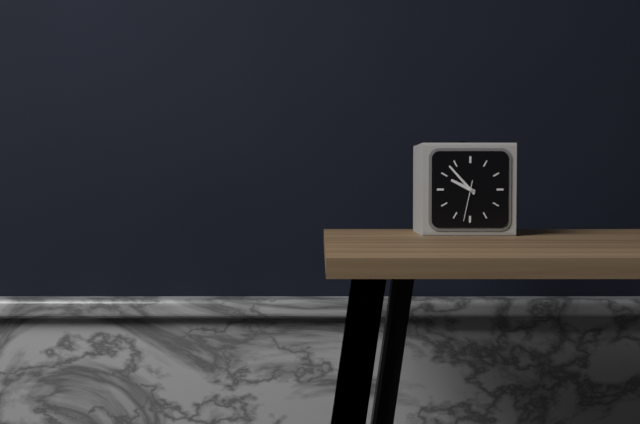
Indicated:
9 h 53 min
